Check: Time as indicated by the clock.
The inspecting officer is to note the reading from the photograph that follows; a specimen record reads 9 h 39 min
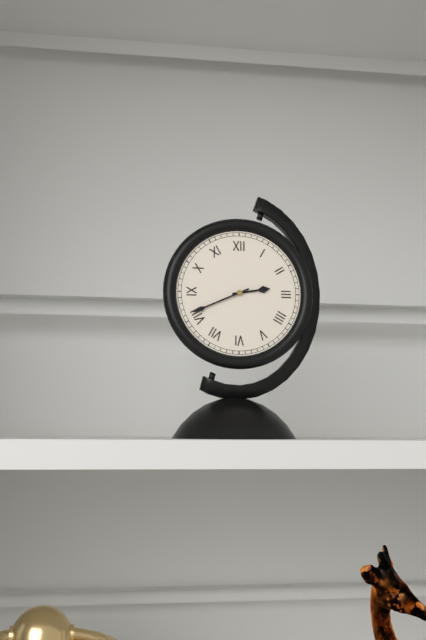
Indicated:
2 h 41 min
